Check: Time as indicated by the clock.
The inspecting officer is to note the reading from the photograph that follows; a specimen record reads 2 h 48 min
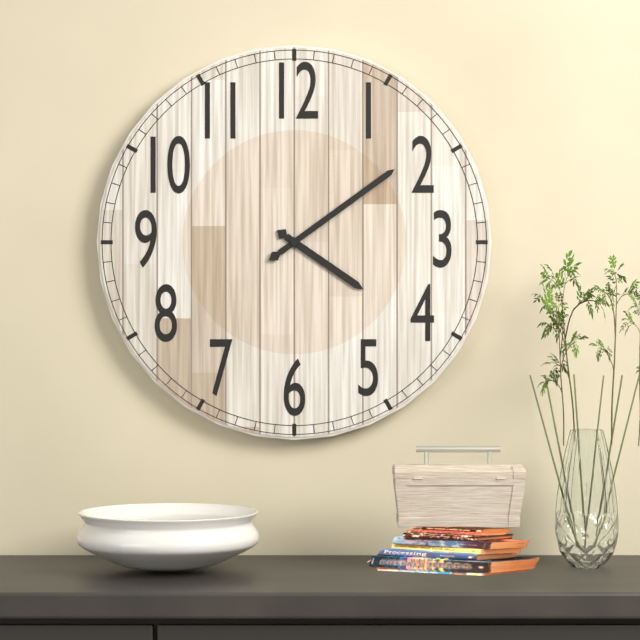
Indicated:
4 h 09 min
